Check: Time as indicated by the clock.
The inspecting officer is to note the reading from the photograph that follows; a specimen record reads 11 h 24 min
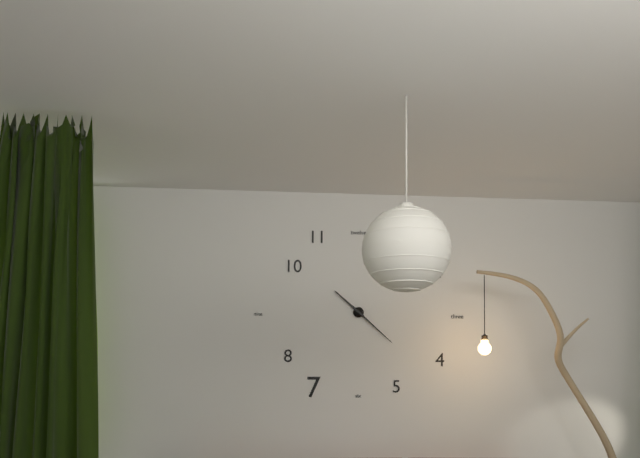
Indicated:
10 h 22 min
